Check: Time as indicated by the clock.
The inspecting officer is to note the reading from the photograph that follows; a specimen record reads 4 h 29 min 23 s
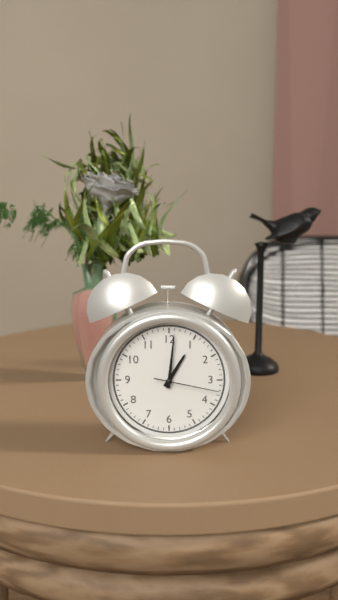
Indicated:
1 h 01 min 17 s
